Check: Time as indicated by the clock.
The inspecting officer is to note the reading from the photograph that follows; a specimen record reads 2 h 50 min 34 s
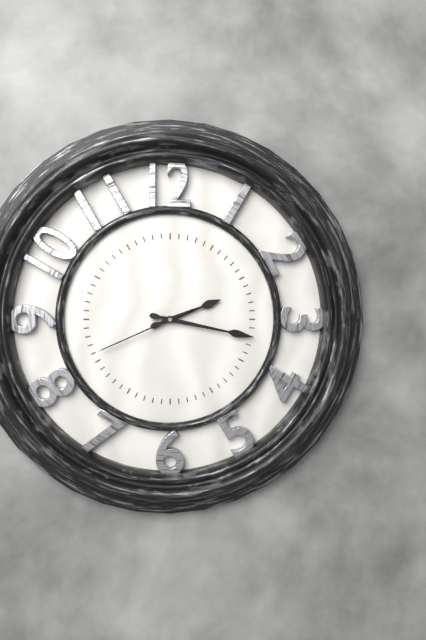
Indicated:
2 h 17 min 41 s
